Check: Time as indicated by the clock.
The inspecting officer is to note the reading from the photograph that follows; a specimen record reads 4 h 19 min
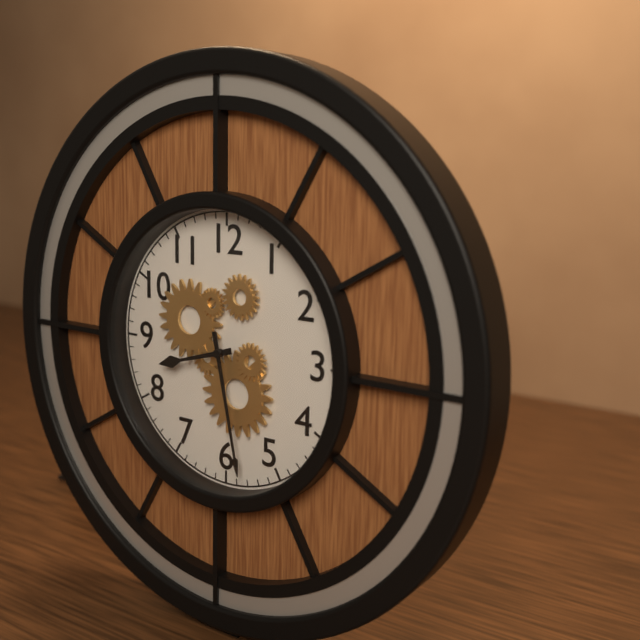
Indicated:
8 h 28 min
